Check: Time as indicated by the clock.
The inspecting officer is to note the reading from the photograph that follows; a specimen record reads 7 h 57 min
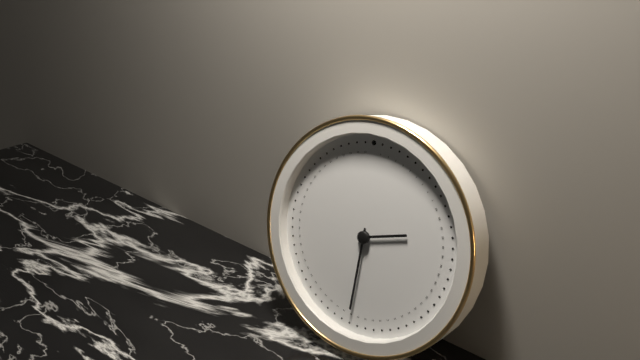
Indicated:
2 h 31 min
